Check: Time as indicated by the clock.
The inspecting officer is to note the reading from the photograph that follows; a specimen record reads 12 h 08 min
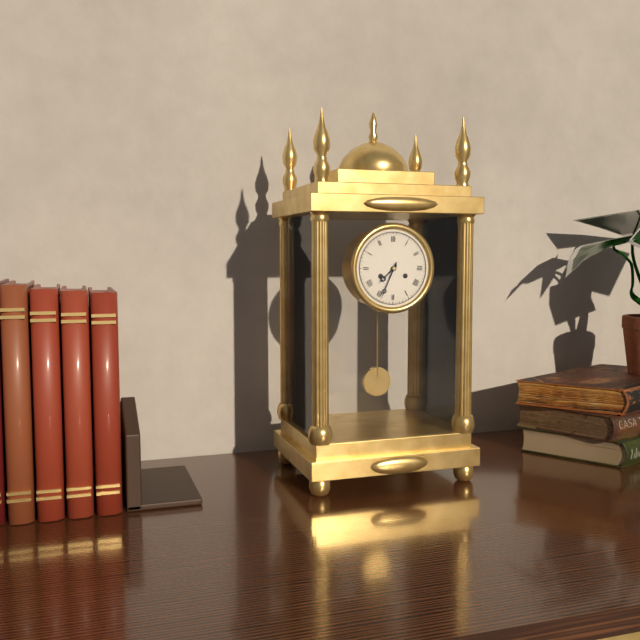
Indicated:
7 h 34 min
